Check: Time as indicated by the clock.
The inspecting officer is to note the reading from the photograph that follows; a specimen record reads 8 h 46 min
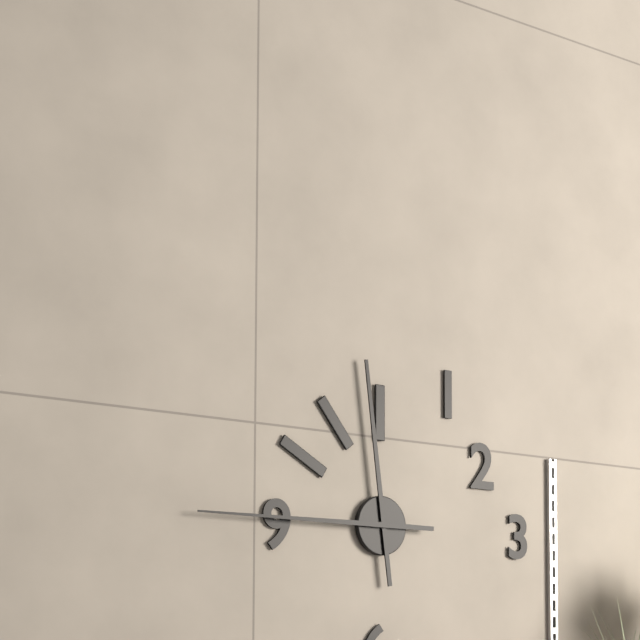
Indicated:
11 h 45 min
